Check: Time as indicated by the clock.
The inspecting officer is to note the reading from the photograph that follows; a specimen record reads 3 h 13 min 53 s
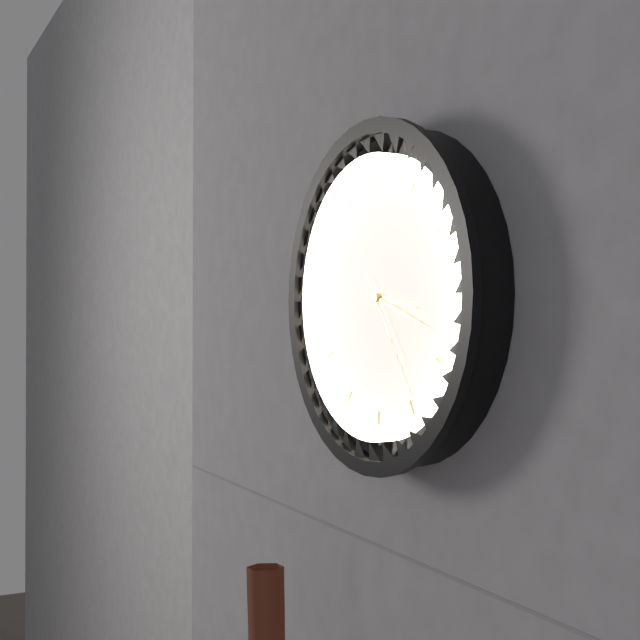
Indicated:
3 h 18 min 24 s
